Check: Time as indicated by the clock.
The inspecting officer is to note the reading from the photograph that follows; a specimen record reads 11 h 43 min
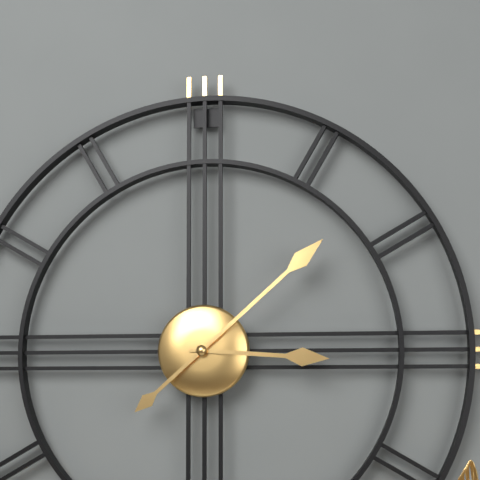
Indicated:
3 h 08 min
